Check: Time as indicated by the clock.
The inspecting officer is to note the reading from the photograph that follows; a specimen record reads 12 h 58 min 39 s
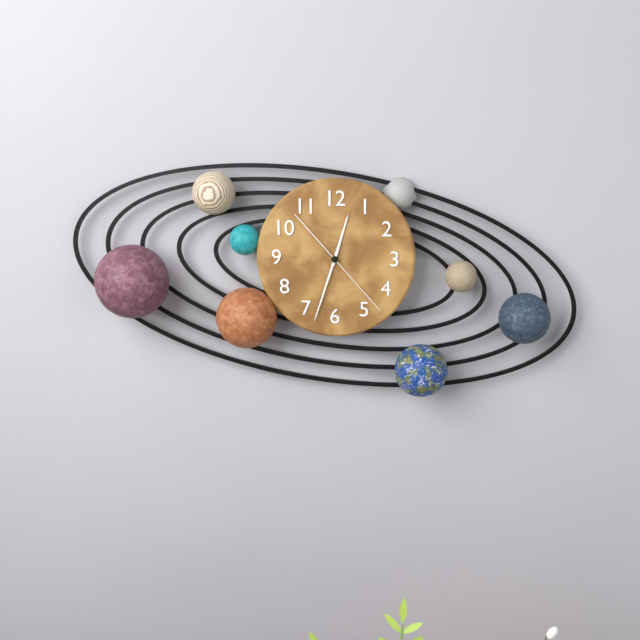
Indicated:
12 h 33 min 23 s
